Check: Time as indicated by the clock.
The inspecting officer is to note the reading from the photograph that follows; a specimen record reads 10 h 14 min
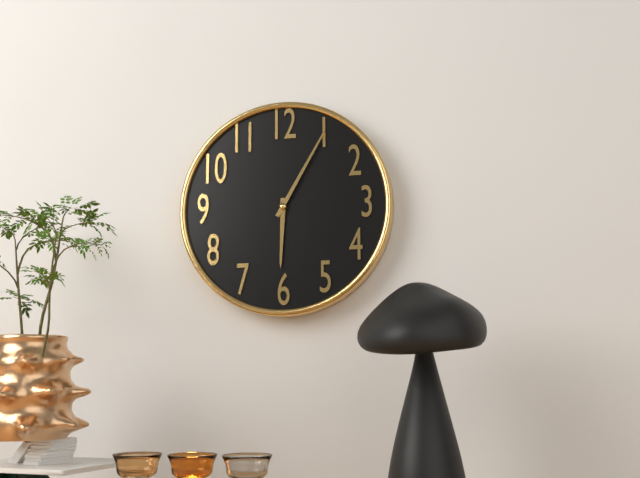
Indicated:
6 h 05 min
